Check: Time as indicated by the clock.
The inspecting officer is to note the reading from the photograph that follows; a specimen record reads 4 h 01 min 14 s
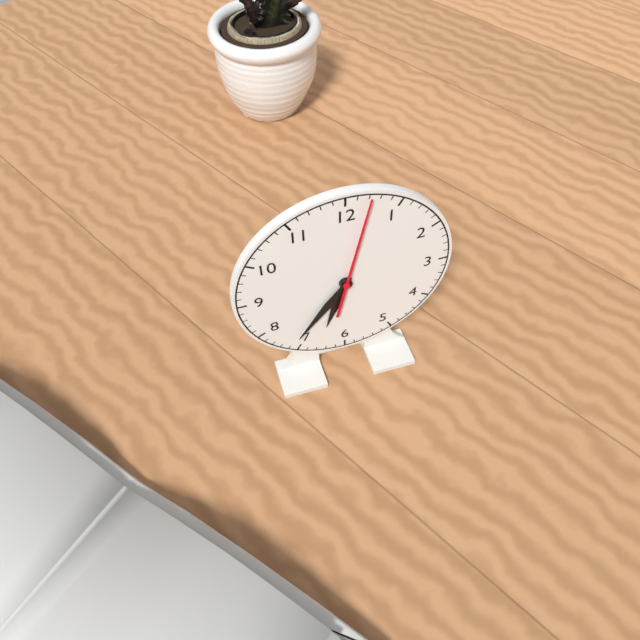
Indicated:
6 h 36 min 02 s
